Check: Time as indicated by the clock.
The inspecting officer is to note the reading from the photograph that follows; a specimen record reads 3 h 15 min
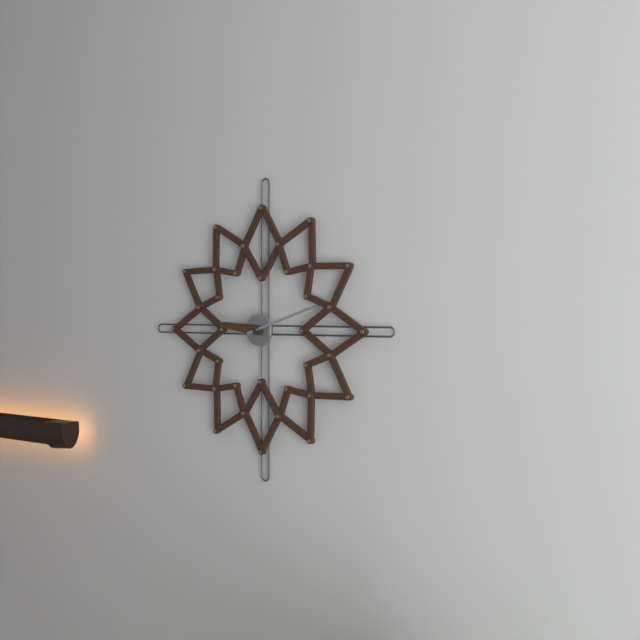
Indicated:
9 h 12 min
